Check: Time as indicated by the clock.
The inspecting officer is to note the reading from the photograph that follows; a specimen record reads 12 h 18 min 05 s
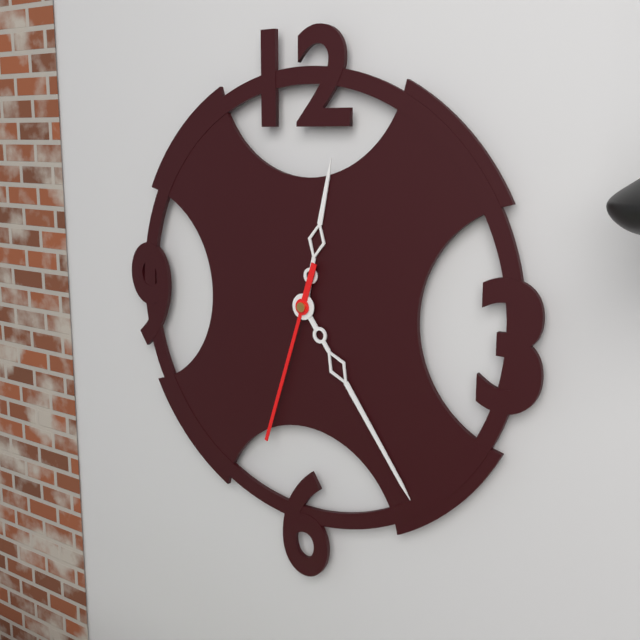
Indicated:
12 h 24 min 33 s
